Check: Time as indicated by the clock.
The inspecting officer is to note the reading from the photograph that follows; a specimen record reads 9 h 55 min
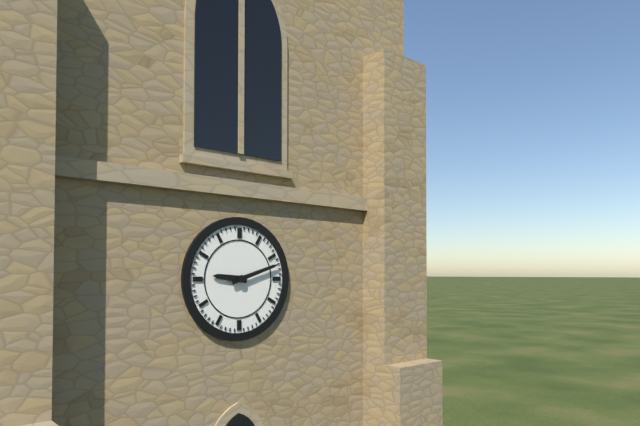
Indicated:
9 h 12 min
